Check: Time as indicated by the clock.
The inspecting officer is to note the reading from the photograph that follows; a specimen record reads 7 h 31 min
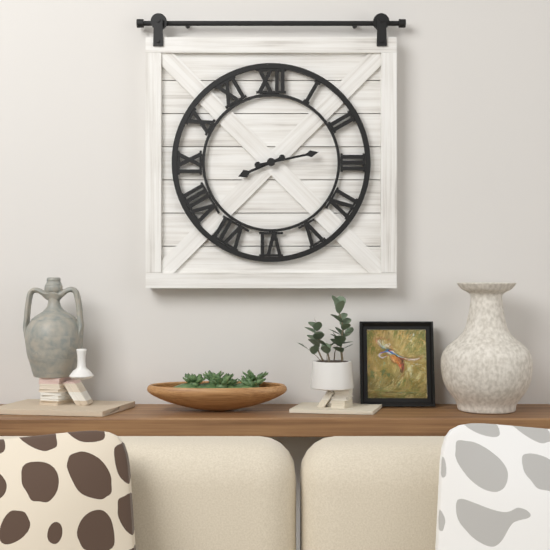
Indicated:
8 h 13 min
